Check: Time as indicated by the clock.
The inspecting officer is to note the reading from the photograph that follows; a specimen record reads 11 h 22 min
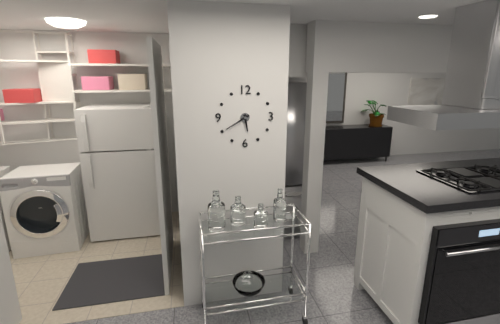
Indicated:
5 h 40 min
